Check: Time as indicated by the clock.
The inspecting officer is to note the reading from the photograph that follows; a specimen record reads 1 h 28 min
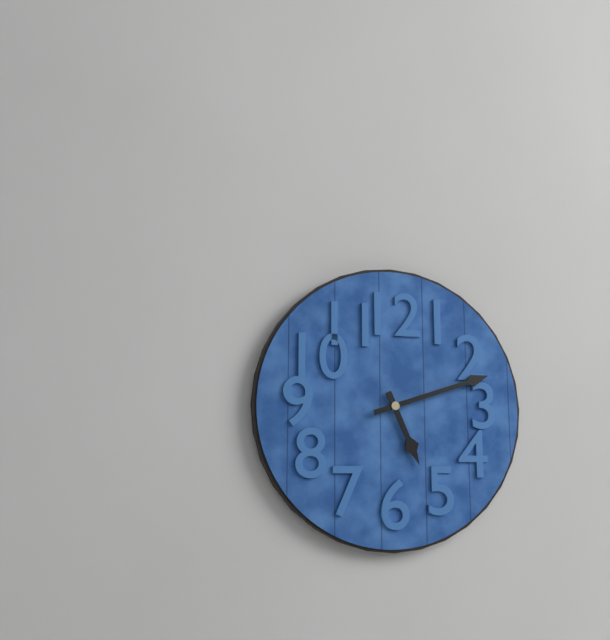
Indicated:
5 h 12 min
